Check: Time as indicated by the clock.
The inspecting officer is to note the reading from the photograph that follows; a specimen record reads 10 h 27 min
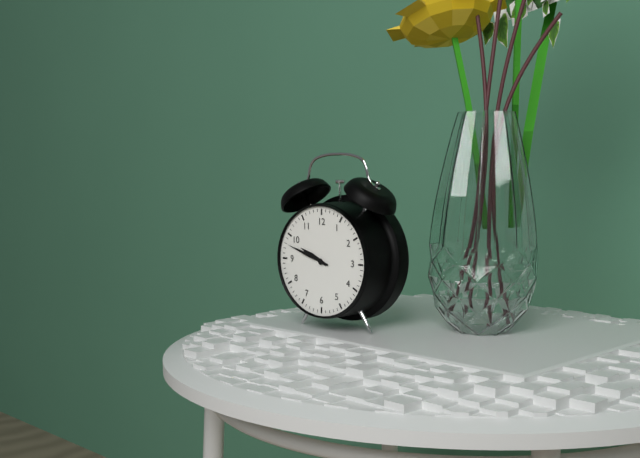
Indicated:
9 h 48 min
